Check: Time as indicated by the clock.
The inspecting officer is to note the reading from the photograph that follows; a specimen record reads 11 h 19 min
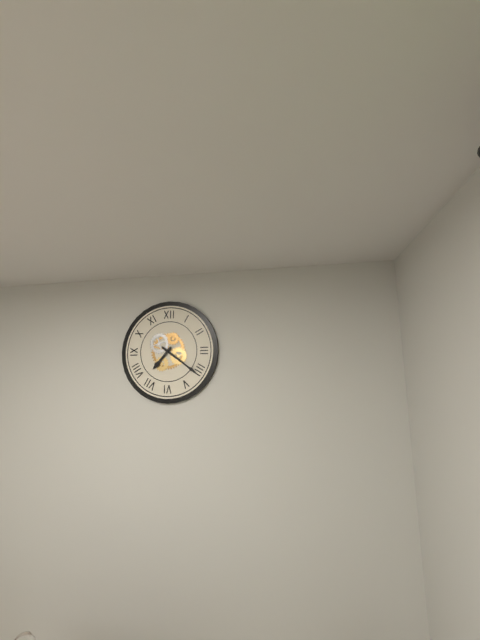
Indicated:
7 h 21 min
